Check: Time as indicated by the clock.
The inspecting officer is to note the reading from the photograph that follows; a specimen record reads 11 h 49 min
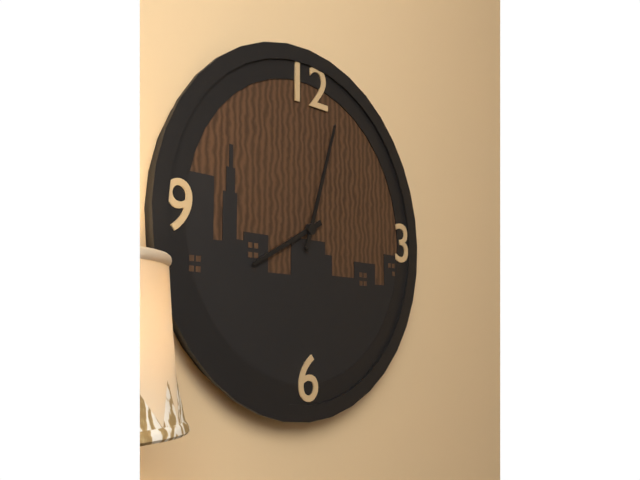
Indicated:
8 h 03 min
